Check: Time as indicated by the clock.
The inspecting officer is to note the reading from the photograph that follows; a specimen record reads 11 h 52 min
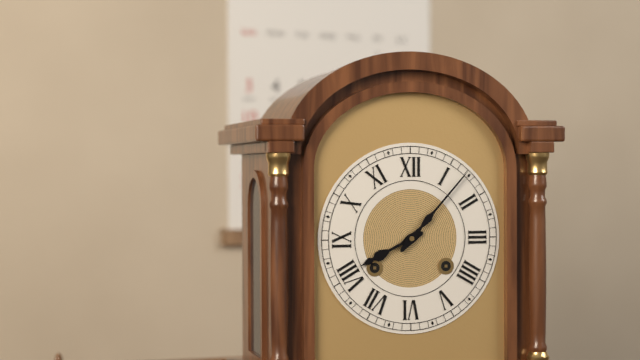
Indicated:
8 h 07 min
